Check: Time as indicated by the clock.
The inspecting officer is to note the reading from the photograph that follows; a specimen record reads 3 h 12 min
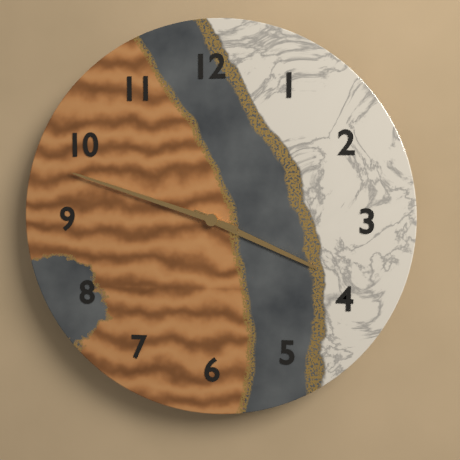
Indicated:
3 h 48 min
